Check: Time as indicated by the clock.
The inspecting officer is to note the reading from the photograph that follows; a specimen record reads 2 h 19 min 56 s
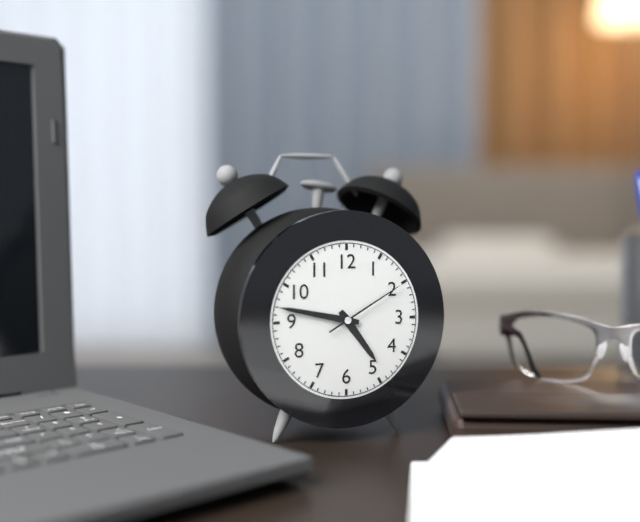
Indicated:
4 h 47 min 10 s
